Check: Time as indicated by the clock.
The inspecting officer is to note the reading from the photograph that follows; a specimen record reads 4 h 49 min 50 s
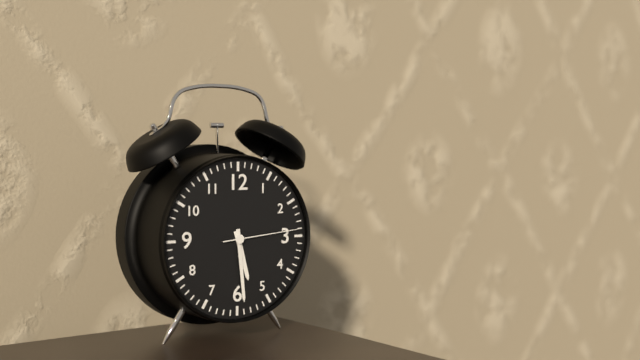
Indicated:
5 h 29 min 14 s
